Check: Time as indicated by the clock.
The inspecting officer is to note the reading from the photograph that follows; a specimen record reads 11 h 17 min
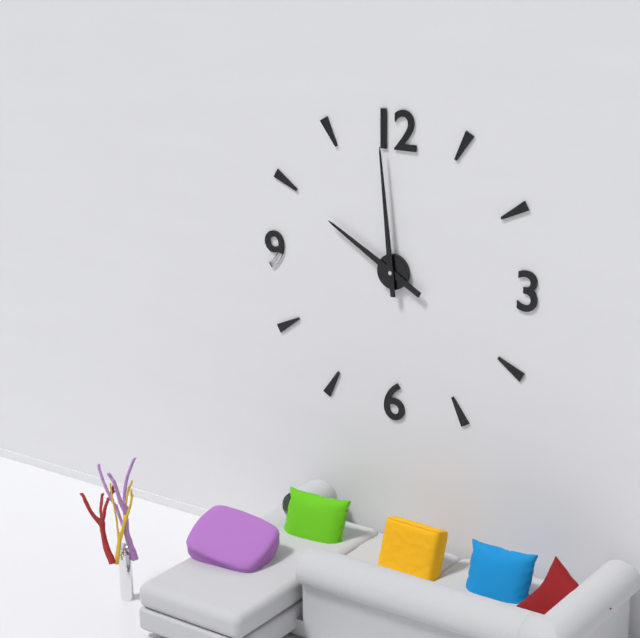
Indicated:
9 h 59 min
